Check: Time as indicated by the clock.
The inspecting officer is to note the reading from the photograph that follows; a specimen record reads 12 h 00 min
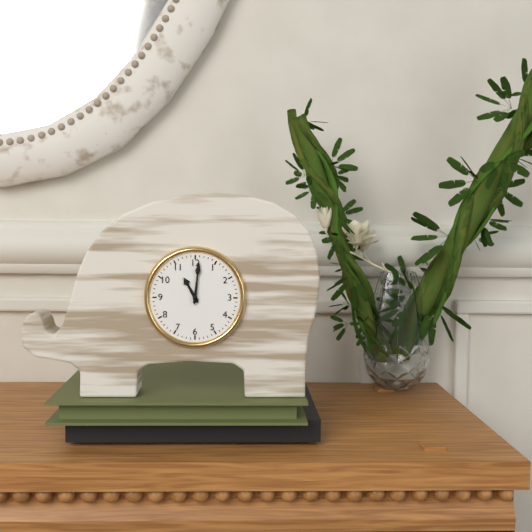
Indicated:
11 h 01 min
